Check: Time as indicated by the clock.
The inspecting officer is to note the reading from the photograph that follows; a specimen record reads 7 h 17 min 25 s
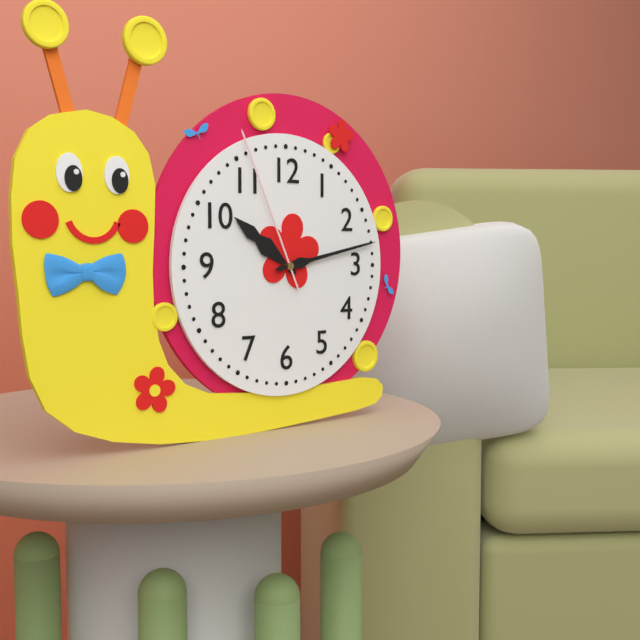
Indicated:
10 h 13 min 56 s
